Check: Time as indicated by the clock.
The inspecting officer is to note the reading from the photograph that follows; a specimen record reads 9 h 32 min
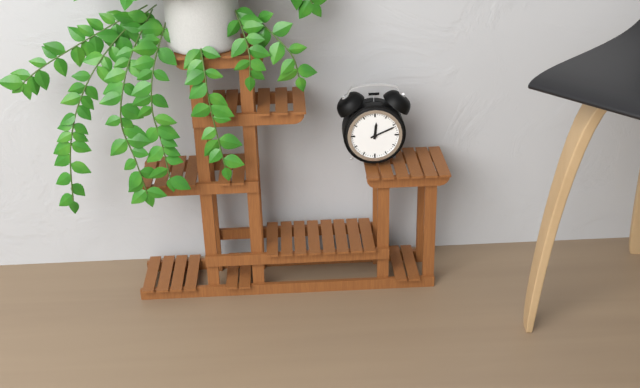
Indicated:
12 h 11 min
